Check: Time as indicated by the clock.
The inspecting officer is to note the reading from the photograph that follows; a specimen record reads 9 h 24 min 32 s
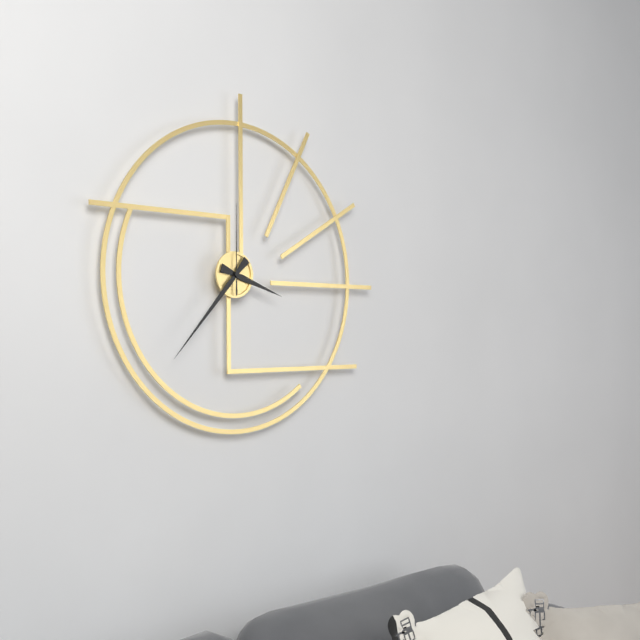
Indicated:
3 h 37 min 00 s
